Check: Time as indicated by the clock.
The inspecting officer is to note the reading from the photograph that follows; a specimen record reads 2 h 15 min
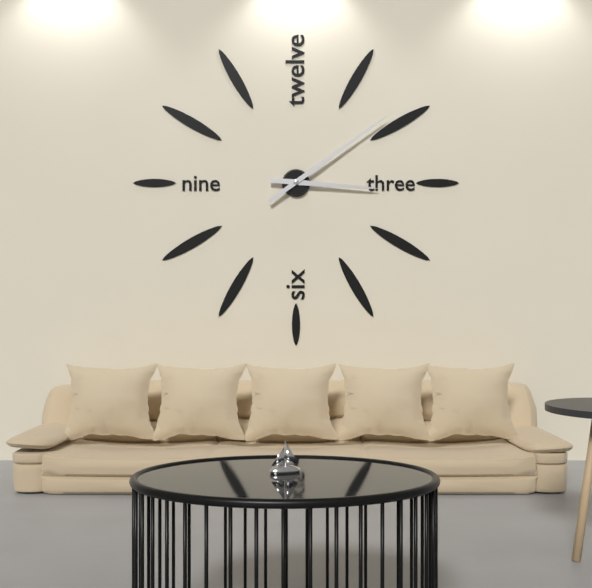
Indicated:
3 h 09 min
